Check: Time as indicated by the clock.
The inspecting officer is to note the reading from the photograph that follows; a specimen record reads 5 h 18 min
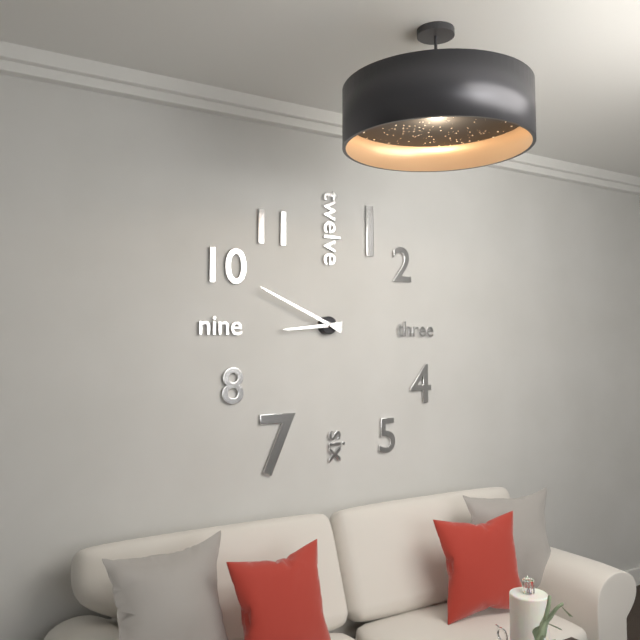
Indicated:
8 h 49 min
